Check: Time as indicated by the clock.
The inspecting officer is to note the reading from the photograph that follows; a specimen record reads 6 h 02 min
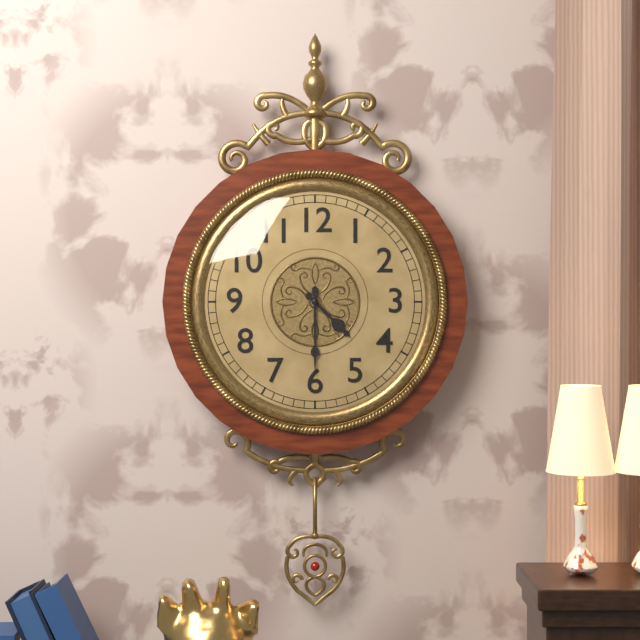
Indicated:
4 h 30 min
